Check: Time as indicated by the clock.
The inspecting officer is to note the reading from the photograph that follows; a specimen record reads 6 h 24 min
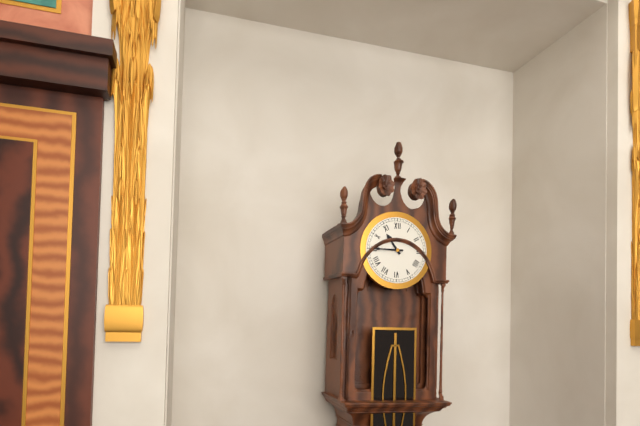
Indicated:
10 h 45 min
